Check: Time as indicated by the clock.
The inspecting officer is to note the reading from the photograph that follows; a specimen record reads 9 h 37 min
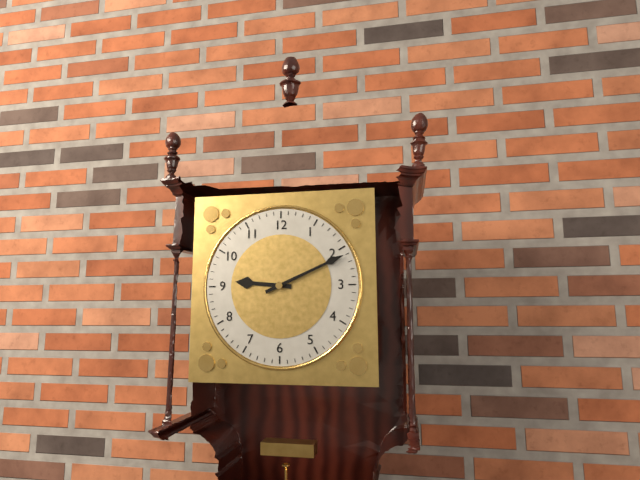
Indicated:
9 h 11 min
